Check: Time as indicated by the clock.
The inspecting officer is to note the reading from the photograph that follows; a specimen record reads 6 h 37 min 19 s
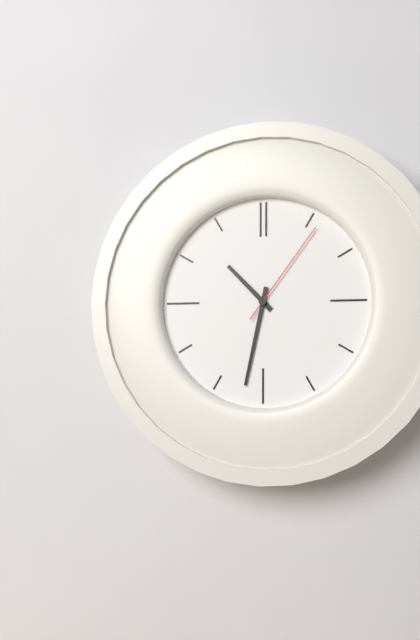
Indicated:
10 h 32 min 06 s
